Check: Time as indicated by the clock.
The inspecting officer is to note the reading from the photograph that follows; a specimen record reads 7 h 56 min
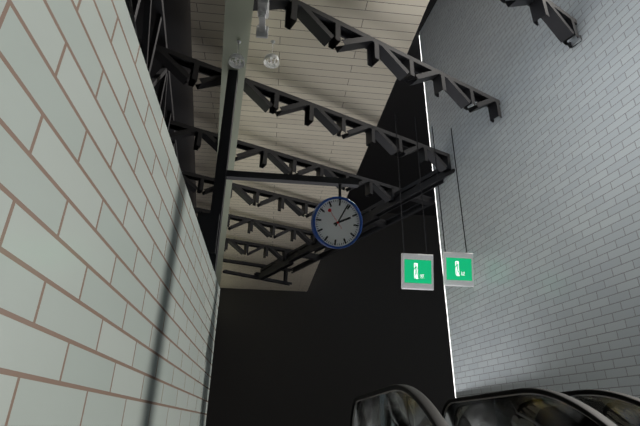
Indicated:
2 h 04 min
